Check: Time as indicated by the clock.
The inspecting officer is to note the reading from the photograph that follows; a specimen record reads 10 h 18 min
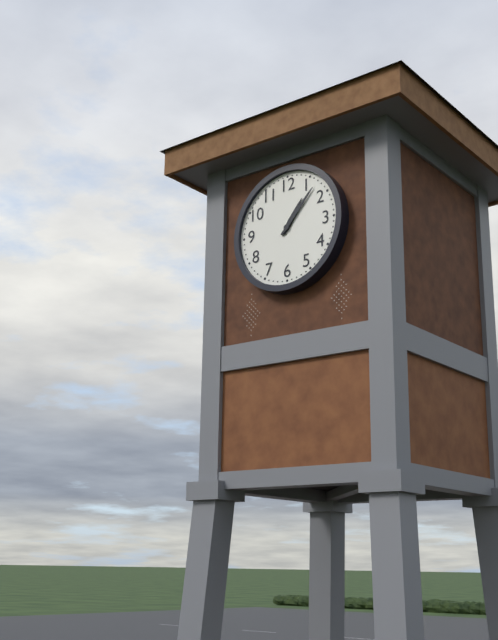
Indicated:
1 h 07 min
